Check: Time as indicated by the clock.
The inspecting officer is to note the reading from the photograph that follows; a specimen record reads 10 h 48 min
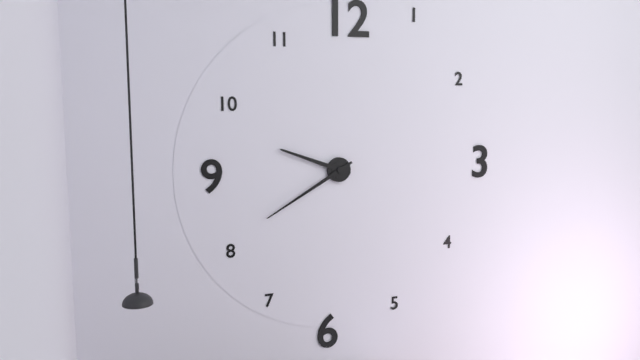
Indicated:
9 h 40 min
